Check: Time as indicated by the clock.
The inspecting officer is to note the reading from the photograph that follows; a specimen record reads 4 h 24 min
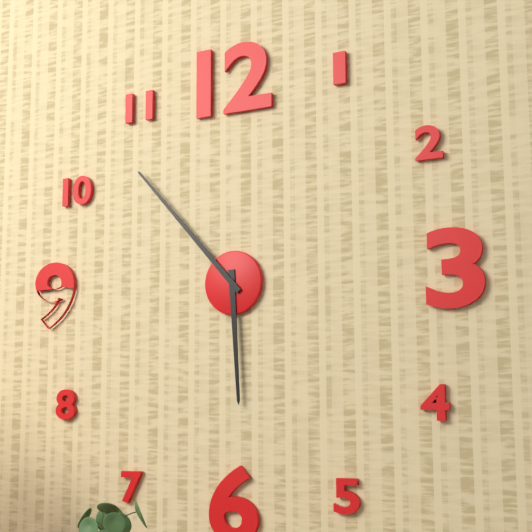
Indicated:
5 h 53 min
